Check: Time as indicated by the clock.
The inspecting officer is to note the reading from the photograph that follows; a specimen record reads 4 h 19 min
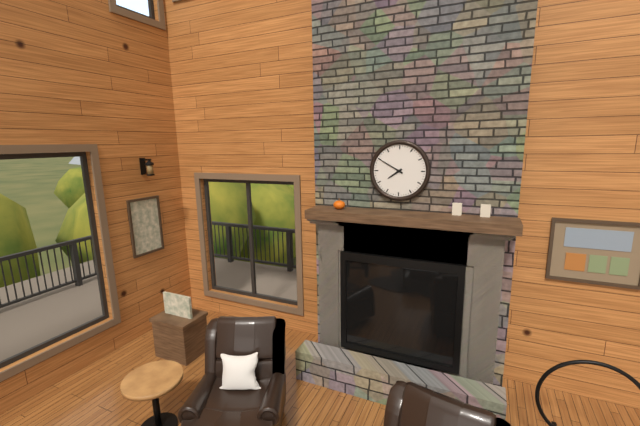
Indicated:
7 h 50 min
